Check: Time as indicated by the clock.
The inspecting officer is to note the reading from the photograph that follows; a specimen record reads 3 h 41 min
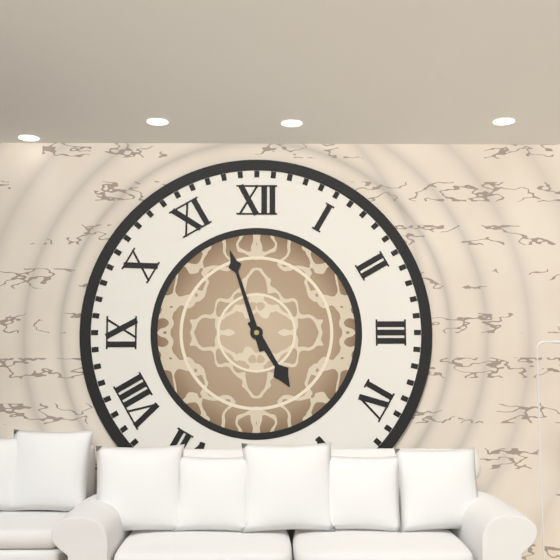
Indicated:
4 h 57 min
